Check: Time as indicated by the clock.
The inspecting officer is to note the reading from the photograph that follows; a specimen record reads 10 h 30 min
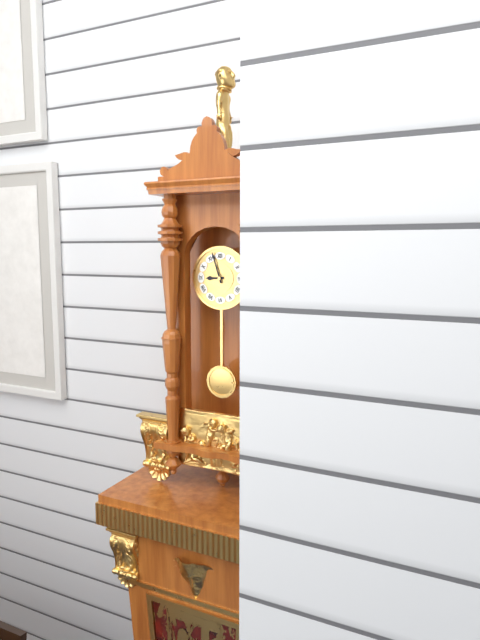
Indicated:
8 h 57 min
